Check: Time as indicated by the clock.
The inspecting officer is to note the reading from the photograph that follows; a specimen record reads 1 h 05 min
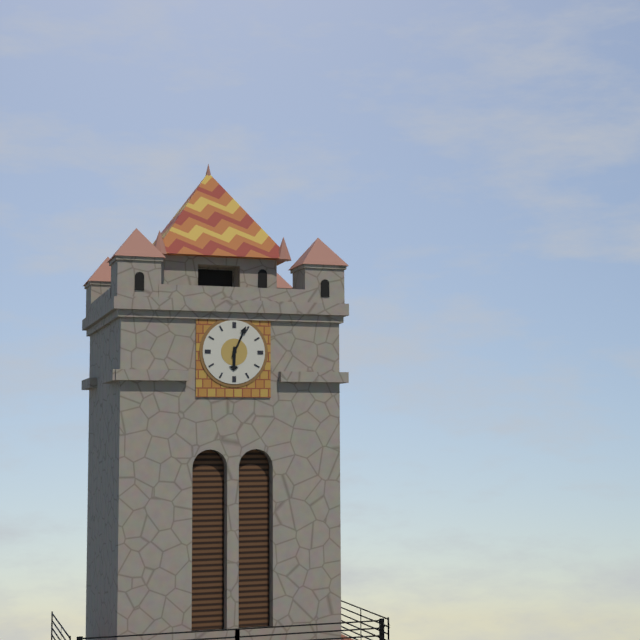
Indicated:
6 h 04 min
